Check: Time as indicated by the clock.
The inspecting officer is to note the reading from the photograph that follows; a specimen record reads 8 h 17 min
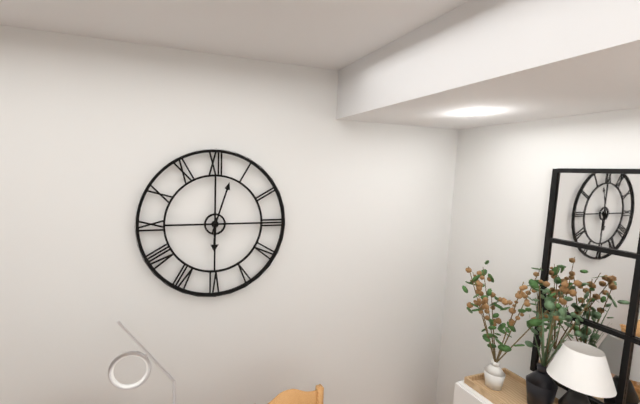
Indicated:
6 h 03 min
